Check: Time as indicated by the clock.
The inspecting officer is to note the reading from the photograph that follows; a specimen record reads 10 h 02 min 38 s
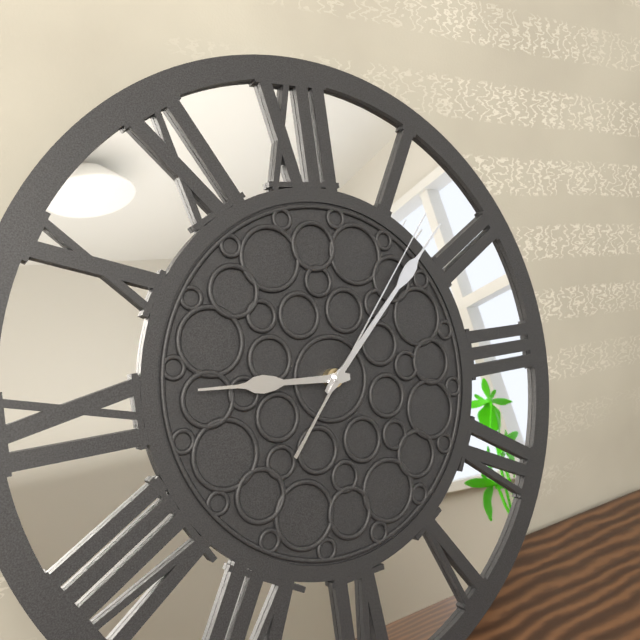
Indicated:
9 h 08 min 07 s
